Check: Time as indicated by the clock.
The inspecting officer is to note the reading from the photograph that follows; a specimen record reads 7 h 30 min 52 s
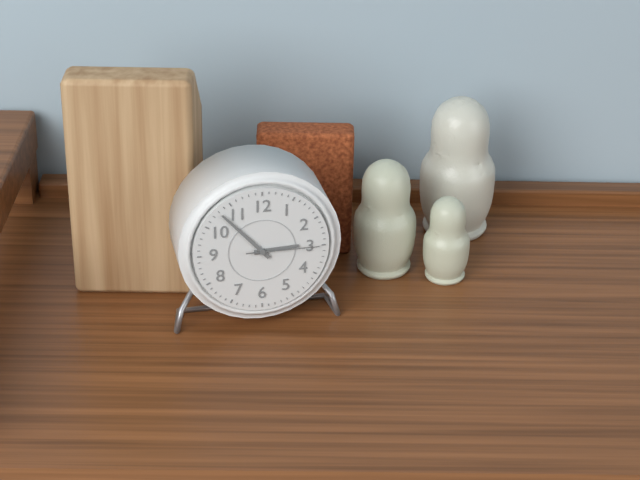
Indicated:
2 h 53 min 15 s
